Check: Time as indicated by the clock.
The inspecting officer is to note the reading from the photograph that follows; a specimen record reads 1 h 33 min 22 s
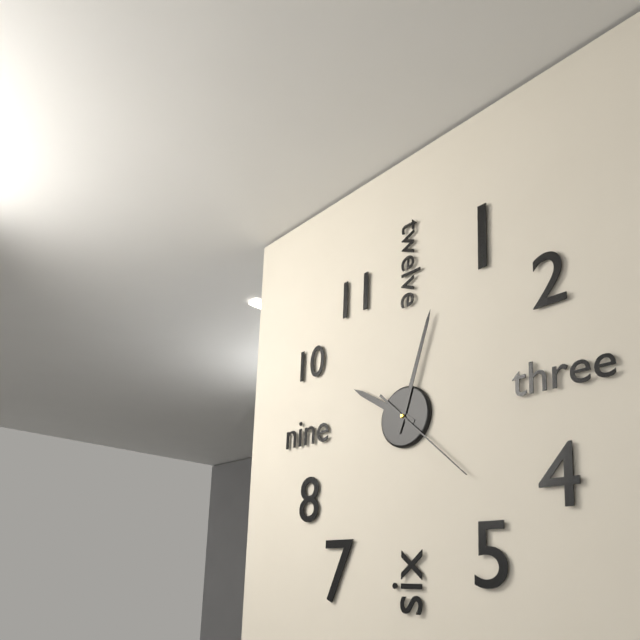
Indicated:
10 h 03 min 22 s
